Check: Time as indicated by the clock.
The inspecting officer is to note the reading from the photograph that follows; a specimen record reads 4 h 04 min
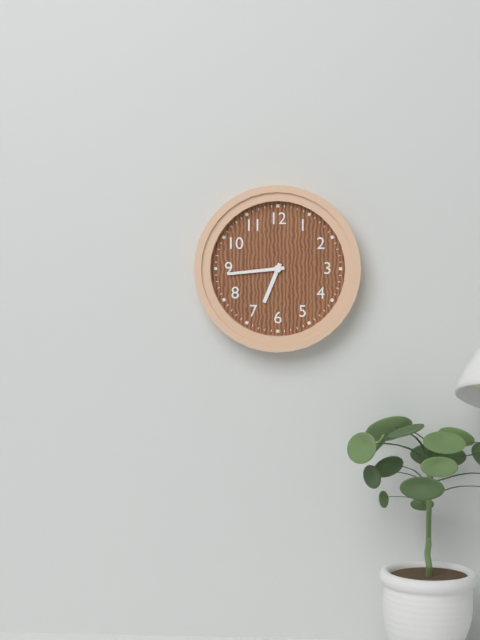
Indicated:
6 h 44 min
